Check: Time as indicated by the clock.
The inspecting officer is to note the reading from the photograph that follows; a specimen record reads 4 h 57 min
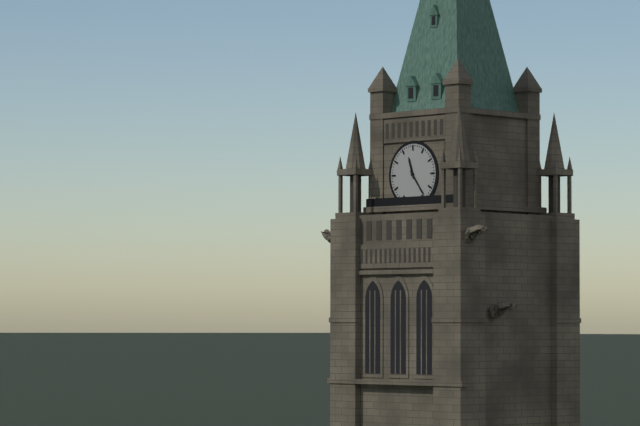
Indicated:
11 h 24 min
